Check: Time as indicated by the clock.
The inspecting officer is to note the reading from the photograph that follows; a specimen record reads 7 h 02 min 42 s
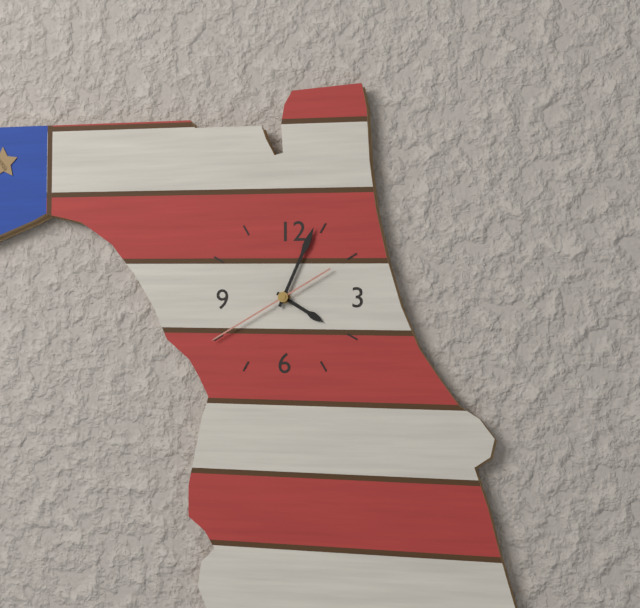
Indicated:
4 h 04 min 40 s
